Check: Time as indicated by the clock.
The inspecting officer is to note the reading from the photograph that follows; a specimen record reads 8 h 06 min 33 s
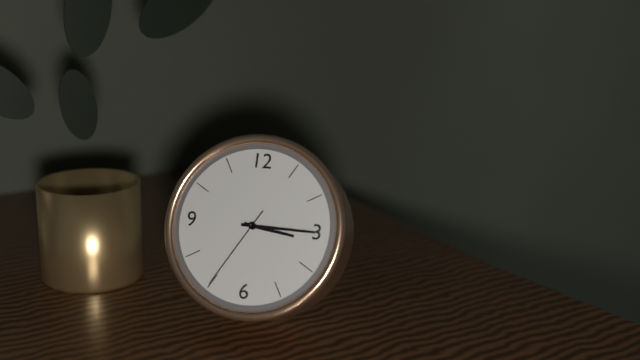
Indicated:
3 h 15 min 35 s
